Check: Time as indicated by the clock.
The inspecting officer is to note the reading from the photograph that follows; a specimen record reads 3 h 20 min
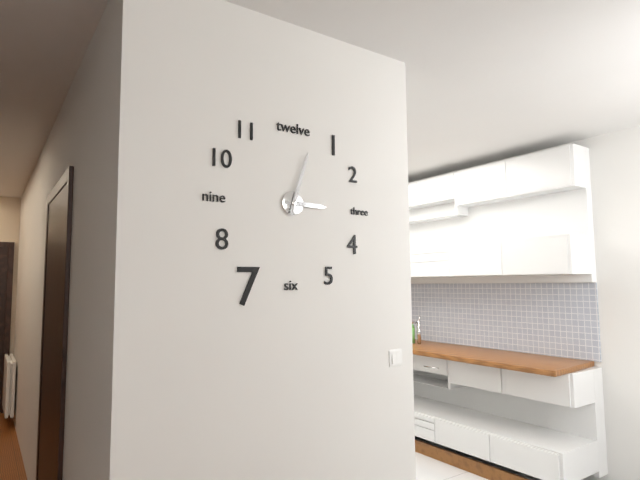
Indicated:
3 h 03 min
